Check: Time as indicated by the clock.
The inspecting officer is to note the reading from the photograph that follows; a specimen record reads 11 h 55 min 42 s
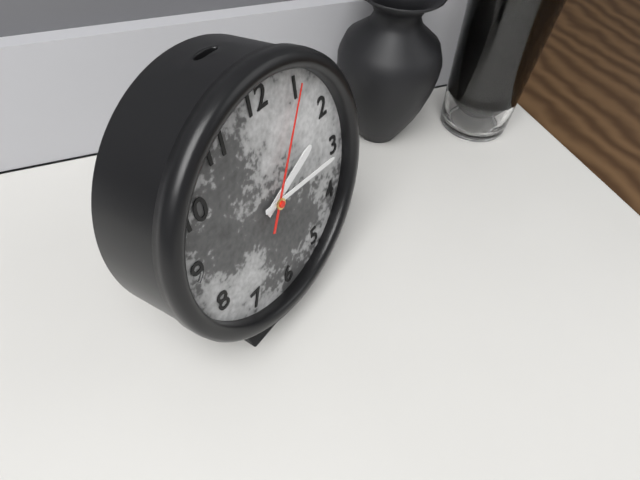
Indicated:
2 h 16 min 05 s
